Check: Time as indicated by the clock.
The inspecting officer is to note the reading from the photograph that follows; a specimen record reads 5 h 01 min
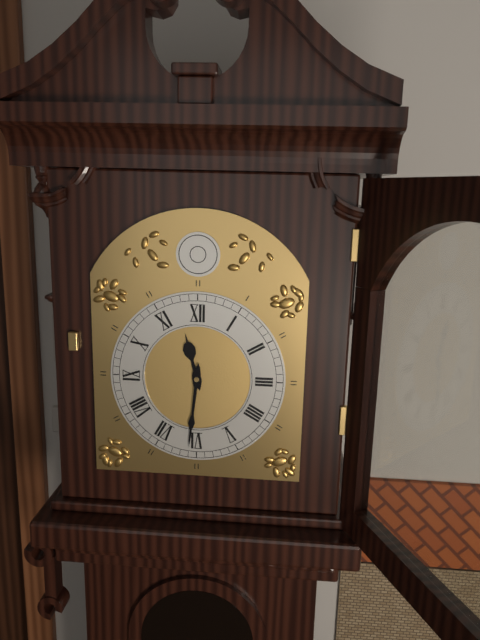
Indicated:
11 h 31 min
